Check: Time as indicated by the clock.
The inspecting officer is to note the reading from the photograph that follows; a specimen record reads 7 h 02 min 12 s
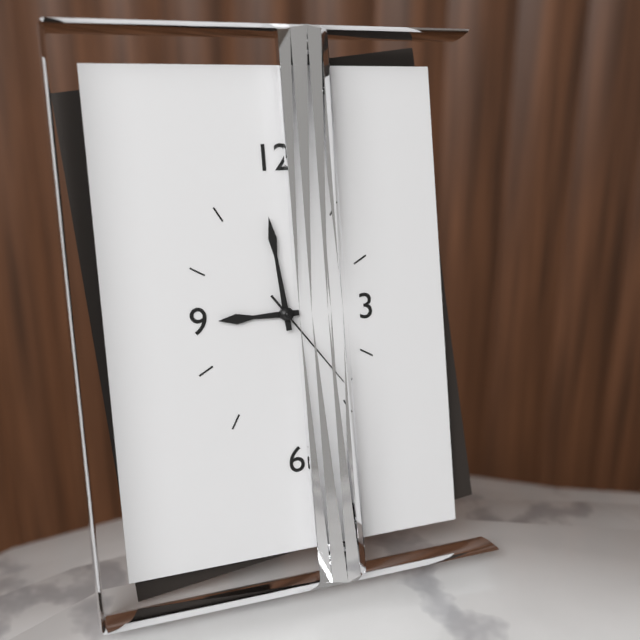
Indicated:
8 h 59 min 24 s
